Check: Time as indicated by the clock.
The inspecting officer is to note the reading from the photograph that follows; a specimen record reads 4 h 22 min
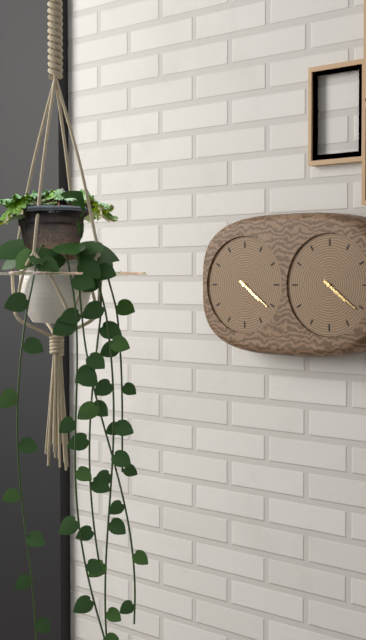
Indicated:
4 h 21 min
